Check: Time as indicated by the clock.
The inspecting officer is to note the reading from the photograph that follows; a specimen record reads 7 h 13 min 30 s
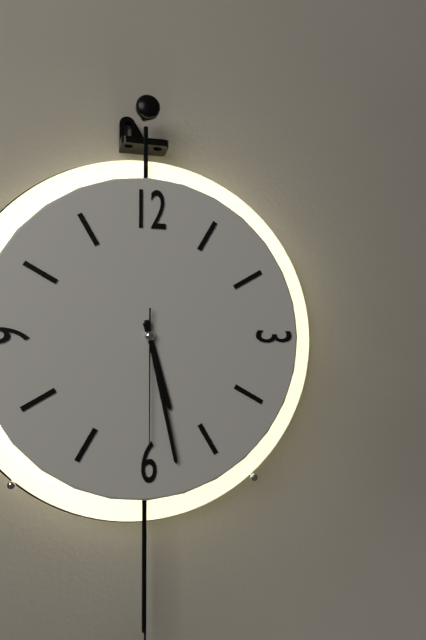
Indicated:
5 h 28 min 30 s
